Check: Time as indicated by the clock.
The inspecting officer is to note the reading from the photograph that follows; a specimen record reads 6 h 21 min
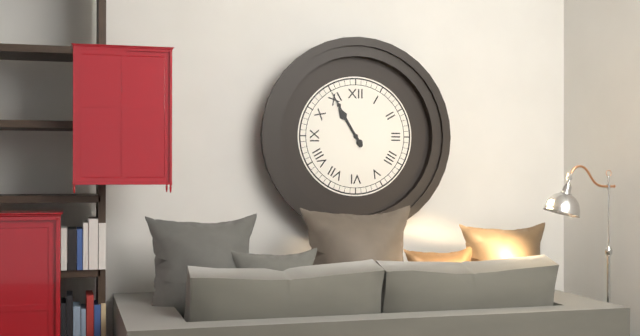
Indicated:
10 h 55 min
